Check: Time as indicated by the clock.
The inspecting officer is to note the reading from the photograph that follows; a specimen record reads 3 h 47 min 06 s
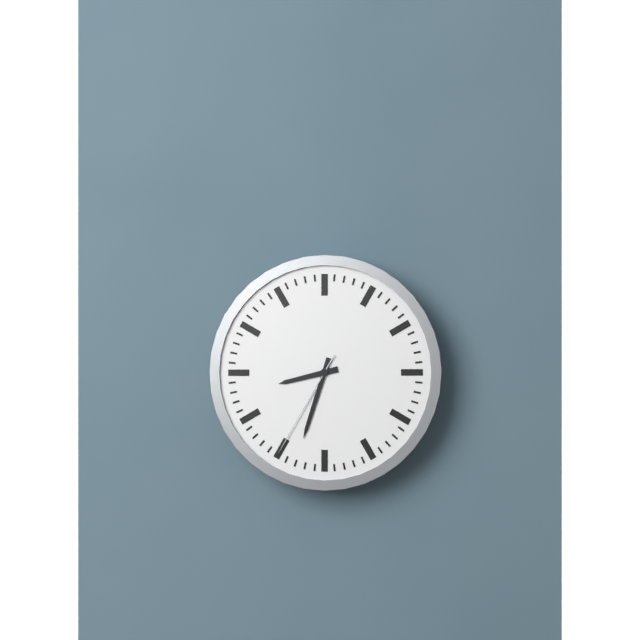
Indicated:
8 h 33 min 35 s
